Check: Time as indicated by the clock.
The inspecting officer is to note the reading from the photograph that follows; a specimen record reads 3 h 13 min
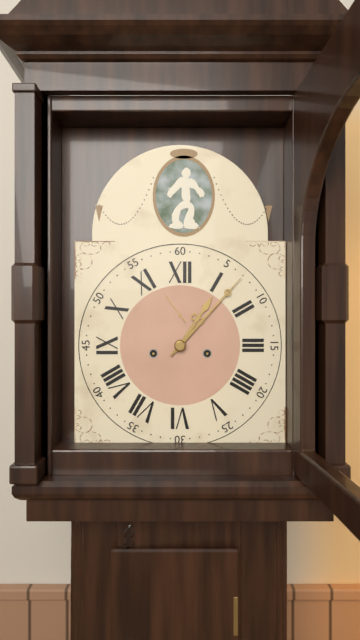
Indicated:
1 h 07 min
